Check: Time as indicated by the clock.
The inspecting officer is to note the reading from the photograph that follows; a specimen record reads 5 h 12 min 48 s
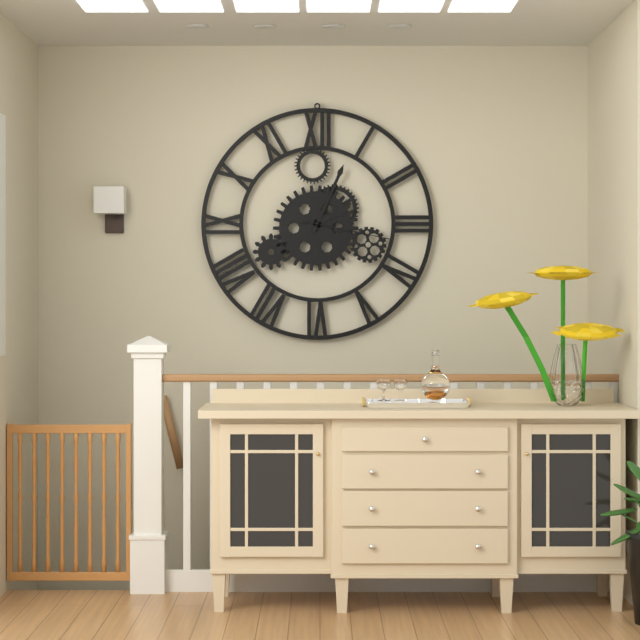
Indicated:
2 h 04 min 17 s
